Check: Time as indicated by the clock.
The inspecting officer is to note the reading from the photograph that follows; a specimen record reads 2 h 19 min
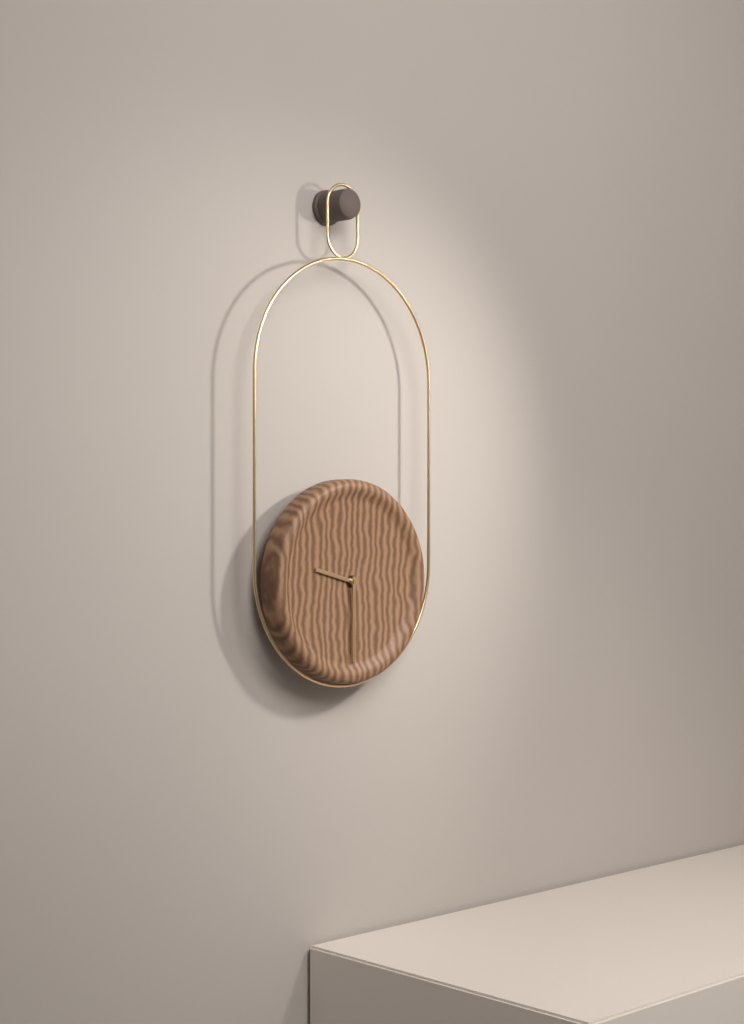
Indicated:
9 h 30 min
